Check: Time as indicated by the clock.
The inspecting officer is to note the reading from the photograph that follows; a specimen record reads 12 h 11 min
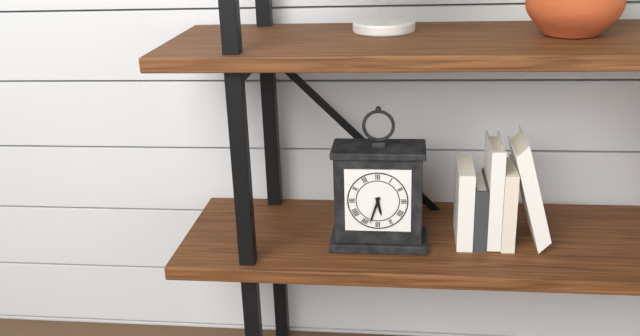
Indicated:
5 h 33 min
